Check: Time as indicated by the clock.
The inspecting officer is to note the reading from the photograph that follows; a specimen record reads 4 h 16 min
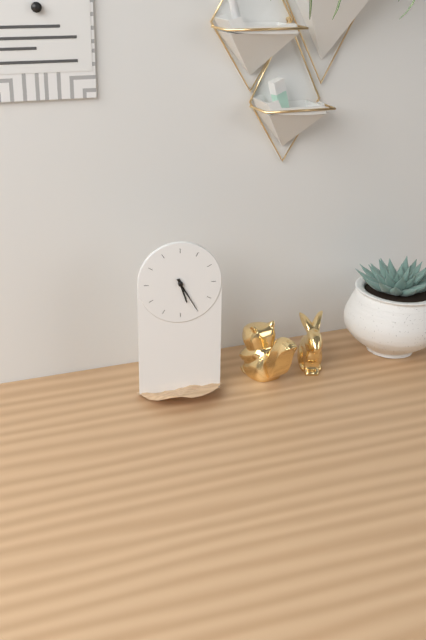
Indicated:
5 h 25 min
